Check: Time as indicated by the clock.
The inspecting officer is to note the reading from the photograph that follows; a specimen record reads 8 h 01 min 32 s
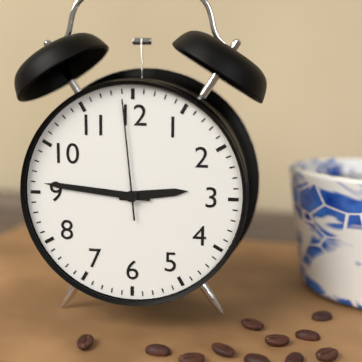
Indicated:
2 h 46 min 59 s
